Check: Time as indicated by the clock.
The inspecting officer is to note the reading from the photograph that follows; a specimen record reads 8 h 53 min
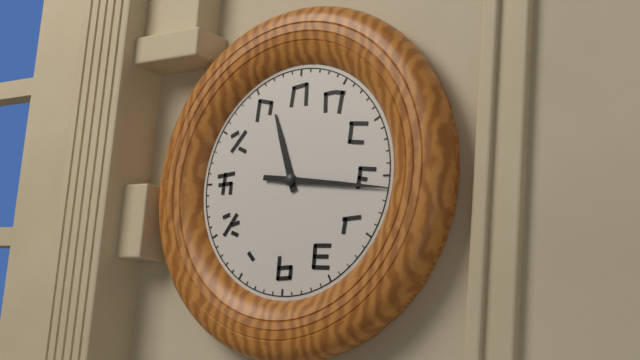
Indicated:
11 h 16 min
